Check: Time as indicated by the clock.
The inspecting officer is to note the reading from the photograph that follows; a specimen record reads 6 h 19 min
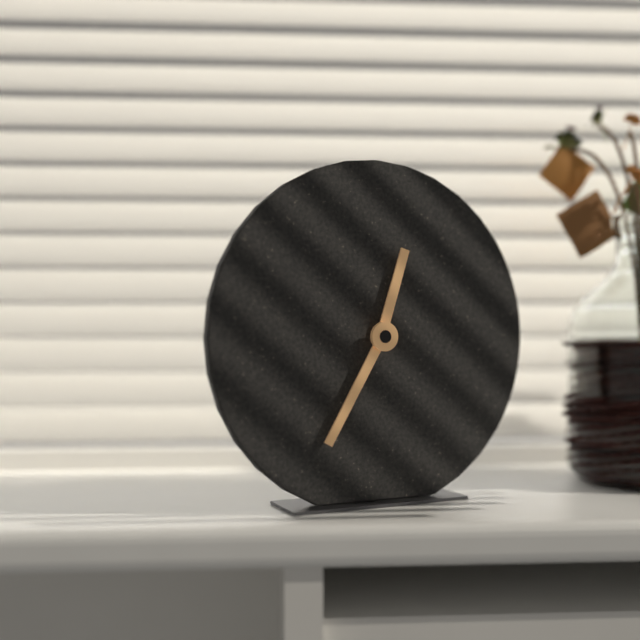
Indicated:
12 h 35 min
